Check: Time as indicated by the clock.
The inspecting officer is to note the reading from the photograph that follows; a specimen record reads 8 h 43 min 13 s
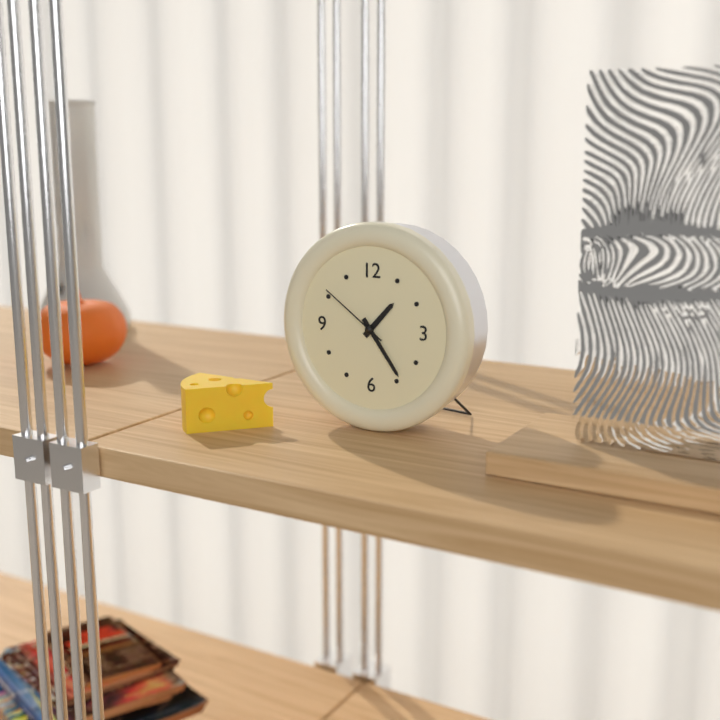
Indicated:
1 h 24 min 51 s
